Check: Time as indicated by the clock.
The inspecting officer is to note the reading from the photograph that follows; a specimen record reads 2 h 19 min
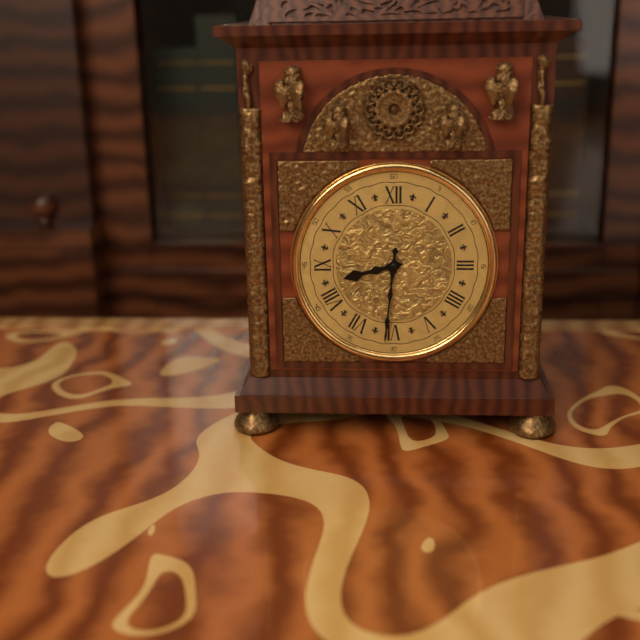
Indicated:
8 h 31 min
